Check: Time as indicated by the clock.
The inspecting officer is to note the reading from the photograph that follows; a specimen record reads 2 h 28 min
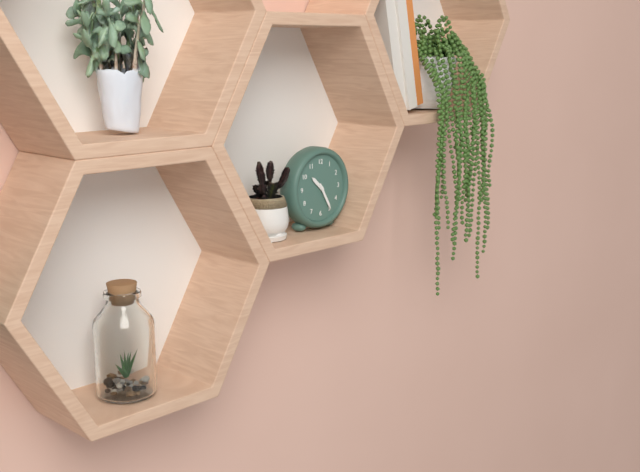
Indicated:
10 h 25 min
